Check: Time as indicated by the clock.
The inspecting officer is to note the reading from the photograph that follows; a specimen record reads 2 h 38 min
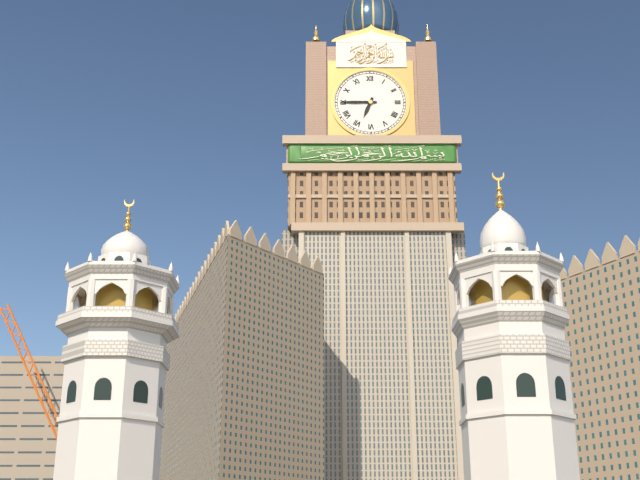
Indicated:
6 h 45 min
